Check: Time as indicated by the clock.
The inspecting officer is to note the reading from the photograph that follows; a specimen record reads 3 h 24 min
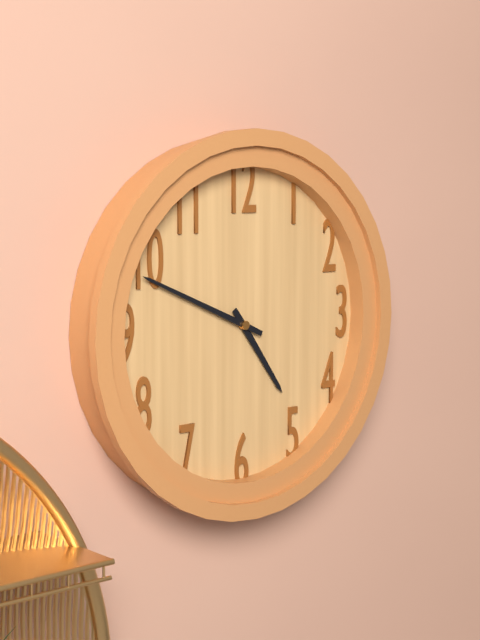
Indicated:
4 h 49 min
